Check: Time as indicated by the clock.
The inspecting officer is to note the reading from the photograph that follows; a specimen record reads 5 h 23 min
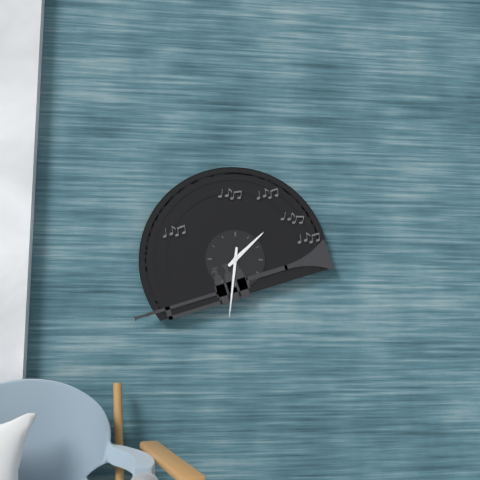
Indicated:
1 h 31 min
